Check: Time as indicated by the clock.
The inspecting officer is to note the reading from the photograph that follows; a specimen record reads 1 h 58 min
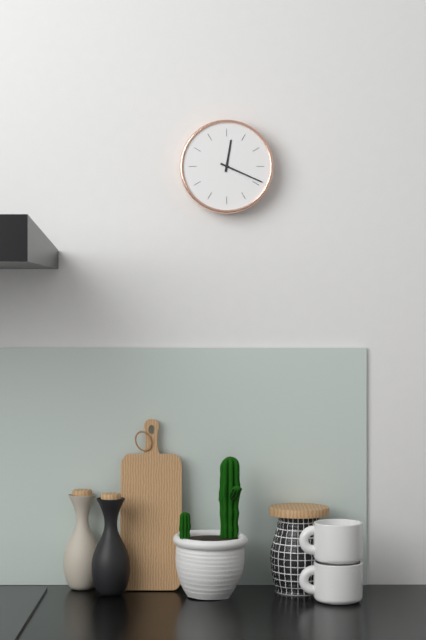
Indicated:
12 h 19 min
